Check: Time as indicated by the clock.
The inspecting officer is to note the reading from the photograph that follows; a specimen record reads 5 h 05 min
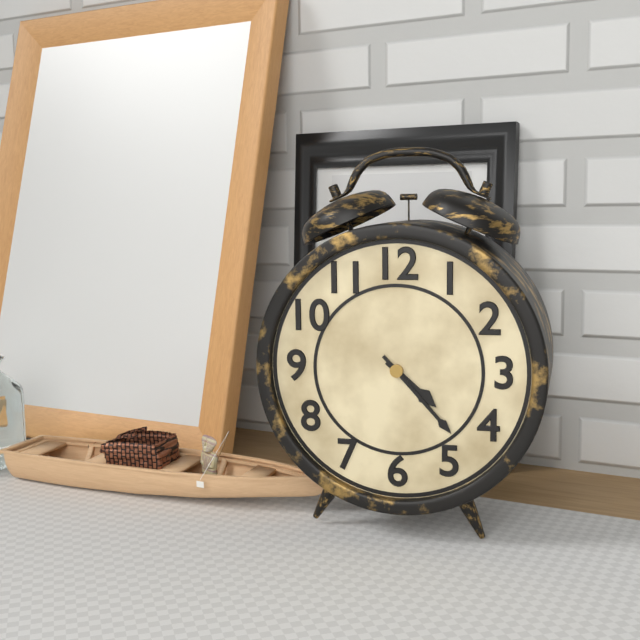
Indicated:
4 h 23 min
